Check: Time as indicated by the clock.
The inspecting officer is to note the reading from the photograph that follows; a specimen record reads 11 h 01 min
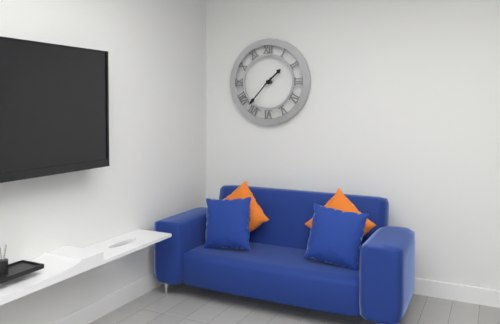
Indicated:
1 h 37 min
